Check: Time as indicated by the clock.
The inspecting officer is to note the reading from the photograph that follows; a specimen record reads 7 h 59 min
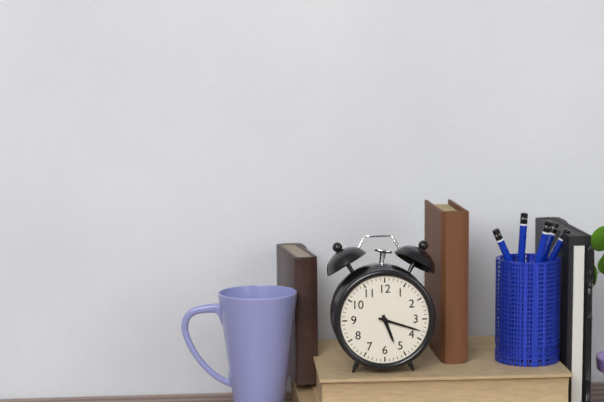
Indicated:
5 h 18 min
